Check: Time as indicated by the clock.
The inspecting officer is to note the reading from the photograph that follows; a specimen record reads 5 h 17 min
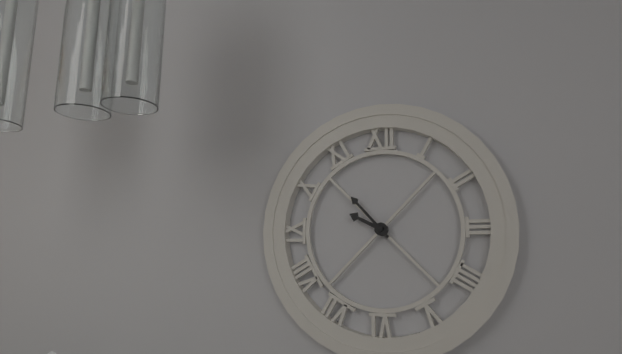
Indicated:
9 h 53 min
